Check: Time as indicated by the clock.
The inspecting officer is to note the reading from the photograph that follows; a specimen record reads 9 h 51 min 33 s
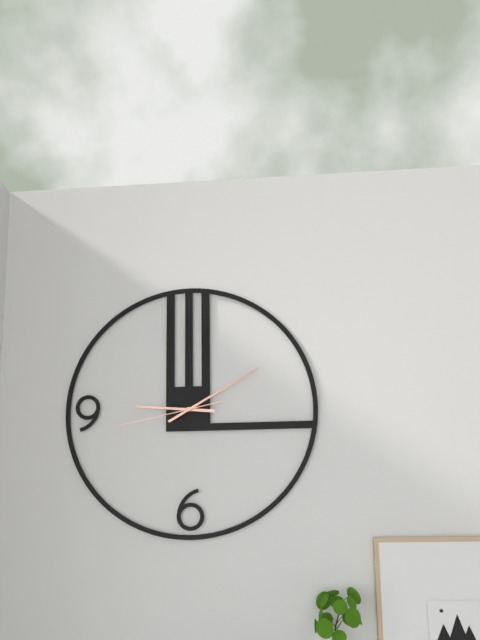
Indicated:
9 h 10 min 43 s
